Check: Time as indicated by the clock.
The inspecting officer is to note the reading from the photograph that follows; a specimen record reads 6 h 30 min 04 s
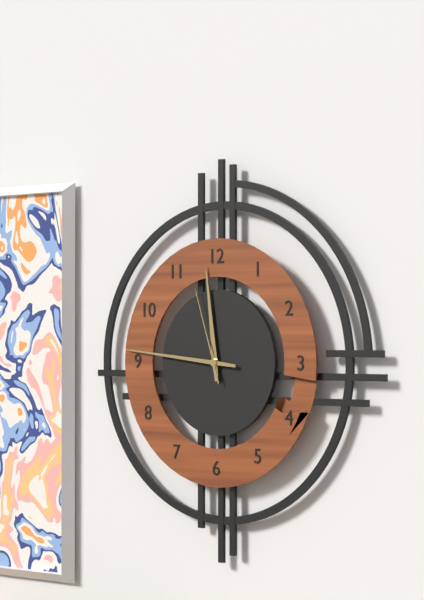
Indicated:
11 h 46 min 57 s
